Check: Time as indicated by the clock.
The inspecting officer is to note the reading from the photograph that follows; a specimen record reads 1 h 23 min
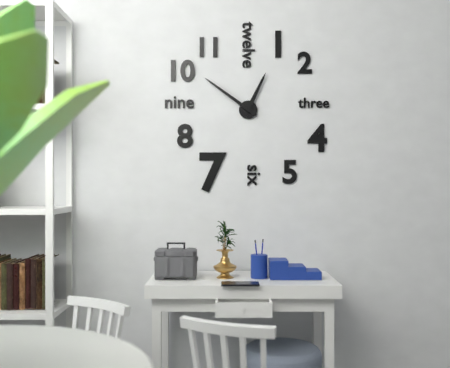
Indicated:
12 h 51 min
